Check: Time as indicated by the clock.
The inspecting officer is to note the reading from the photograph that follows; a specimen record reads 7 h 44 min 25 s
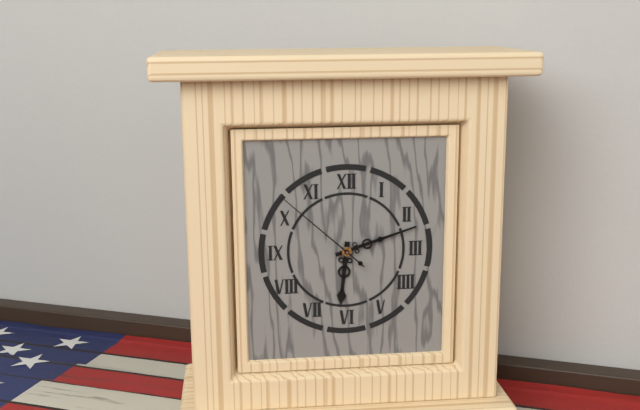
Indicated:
6 h 12 min 52 s
